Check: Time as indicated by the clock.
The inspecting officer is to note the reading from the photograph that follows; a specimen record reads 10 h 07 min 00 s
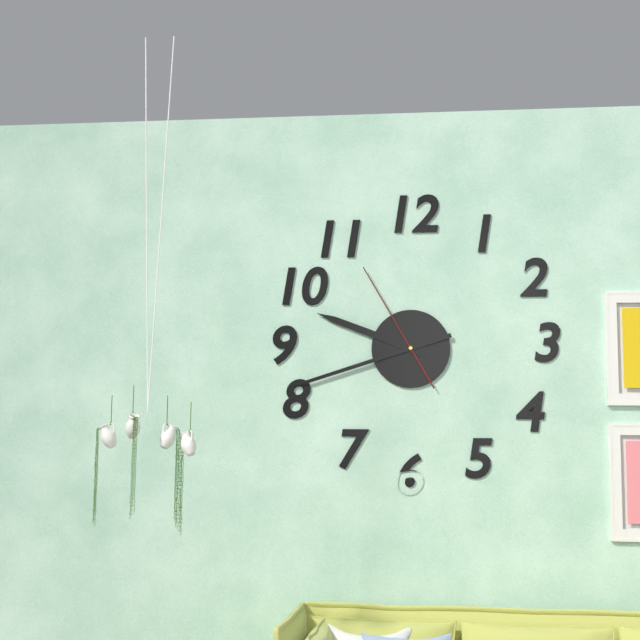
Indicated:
9 h 42 min 55 s
